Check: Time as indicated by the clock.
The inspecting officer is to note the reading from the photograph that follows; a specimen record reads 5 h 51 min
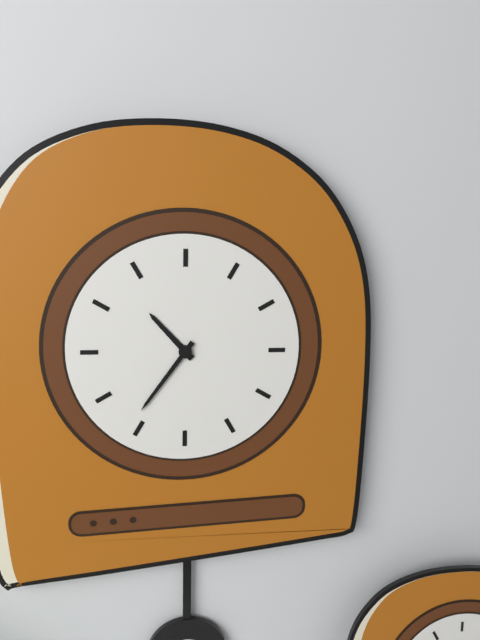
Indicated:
10 h 36 min
